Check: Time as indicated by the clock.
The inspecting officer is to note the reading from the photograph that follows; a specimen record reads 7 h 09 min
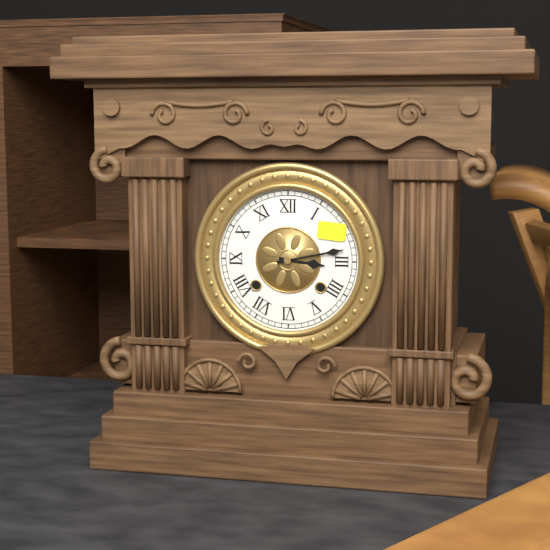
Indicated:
3 h 13 min
